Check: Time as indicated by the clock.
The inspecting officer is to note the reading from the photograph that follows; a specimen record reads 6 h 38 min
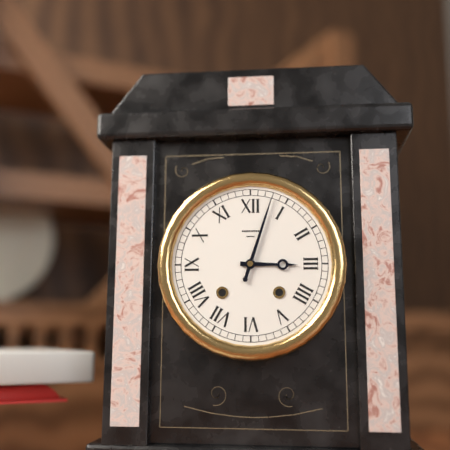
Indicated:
3 h 03 min
